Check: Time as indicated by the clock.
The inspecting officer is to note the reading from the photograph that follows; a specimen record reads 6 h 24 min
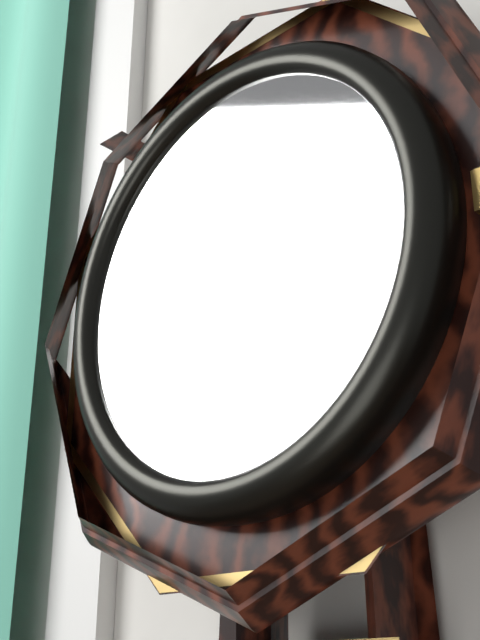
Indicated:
5 h 33 min
